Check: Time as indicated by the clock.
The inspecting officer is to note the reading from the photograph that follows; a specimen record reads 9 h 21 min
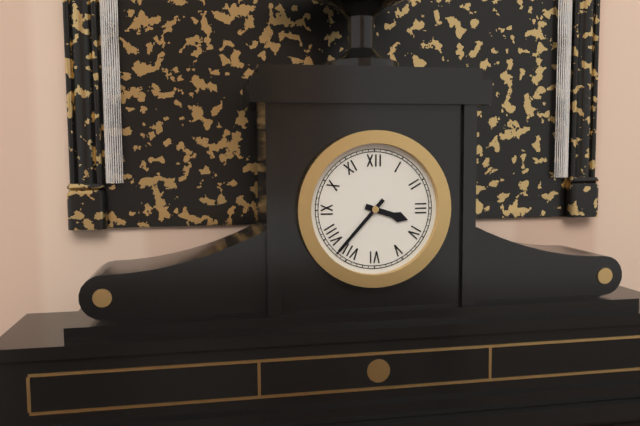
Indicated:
3 h 37 min
